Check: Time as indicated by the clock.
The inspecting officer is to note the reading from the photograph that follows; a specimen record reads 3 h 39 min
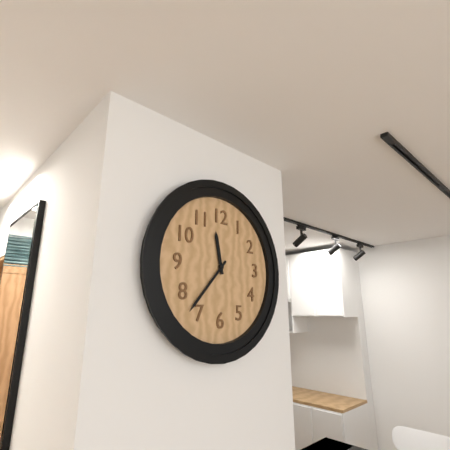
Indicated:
11 h 37 min
